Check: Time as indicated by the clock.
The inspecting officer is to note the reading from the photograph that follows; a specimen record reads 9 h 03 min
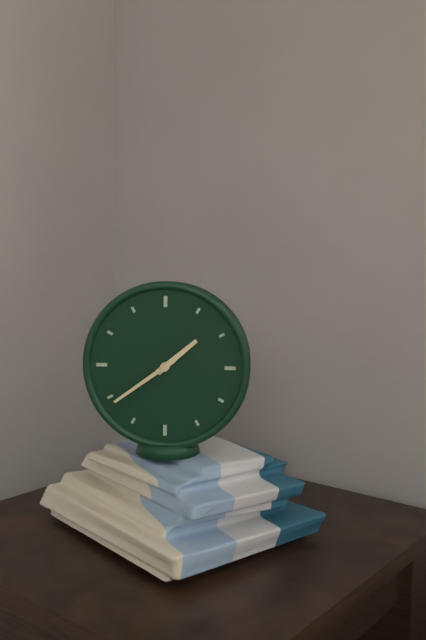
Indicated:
1 h 39 min
